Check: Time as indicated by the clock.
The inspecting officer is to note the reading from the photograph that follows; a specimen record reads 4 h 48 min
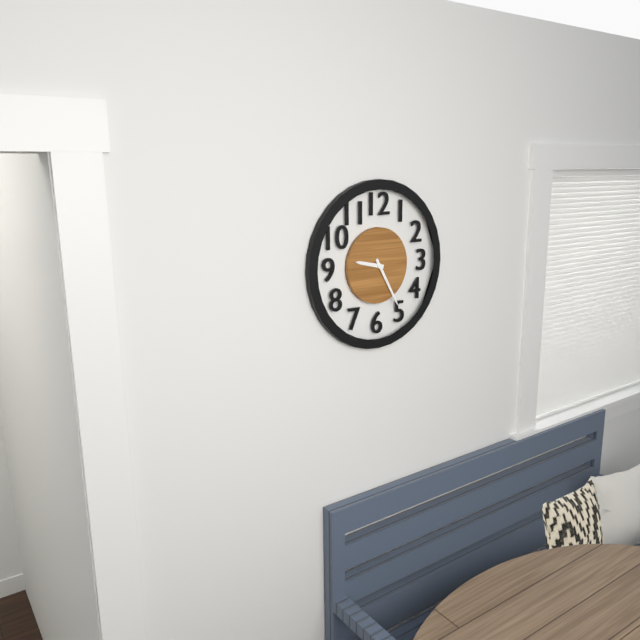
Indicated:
9 h 25 min
